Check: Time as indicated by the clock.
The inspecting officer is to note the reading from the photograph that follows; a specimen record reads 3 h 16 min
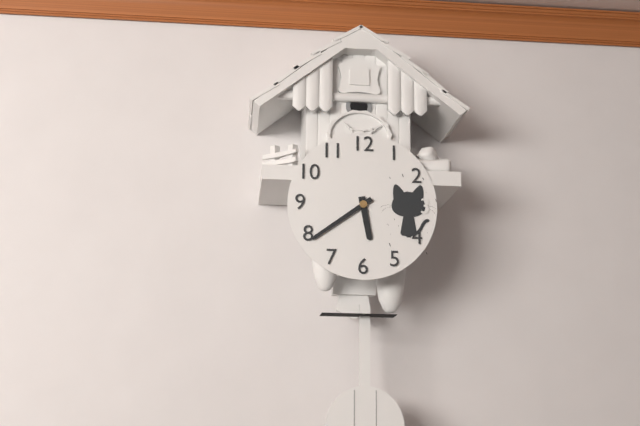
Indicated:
5 h 39 min
